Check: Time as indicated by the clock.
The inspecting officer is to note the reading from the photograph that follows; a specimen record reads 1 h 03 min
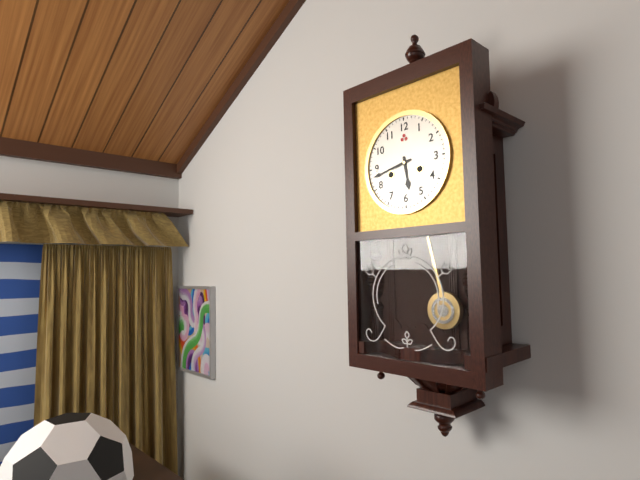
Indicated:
5 h 43 min
